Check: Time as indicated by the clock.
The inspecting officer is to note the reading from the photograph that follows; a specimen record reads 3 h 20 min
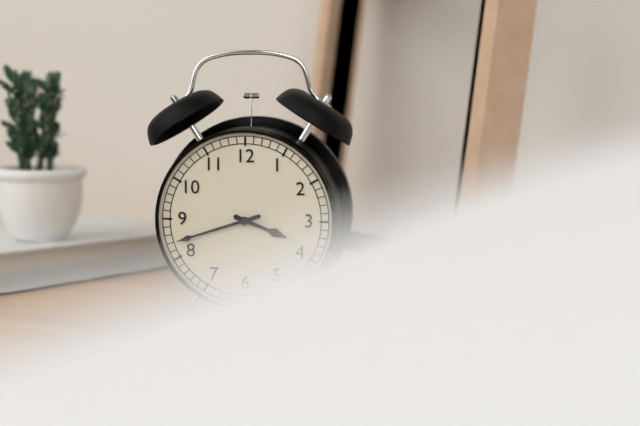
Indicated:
3 h 42 min
